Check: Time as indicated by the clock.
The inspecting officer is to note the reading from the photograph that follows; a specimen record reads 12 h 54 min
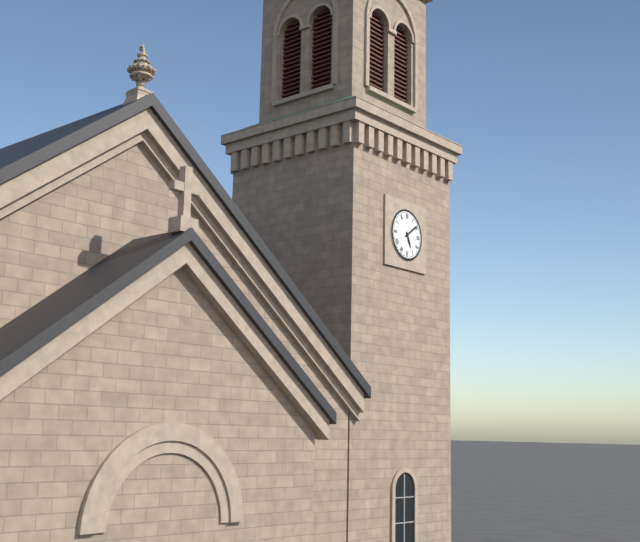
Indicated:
5 h 09 min
